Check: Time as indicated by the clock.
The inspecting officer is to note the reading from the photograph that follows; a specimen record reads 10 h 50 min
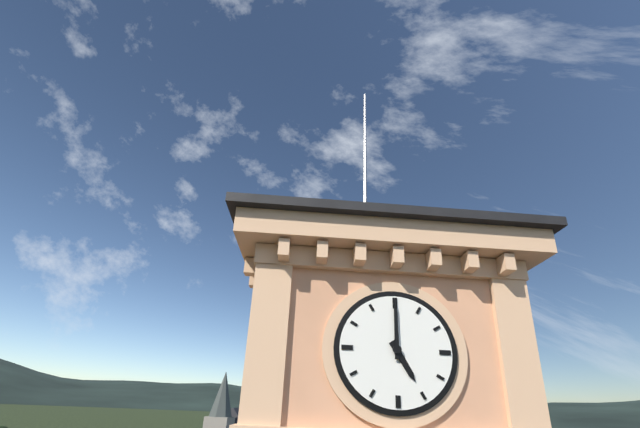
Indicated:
5 h 00 min
